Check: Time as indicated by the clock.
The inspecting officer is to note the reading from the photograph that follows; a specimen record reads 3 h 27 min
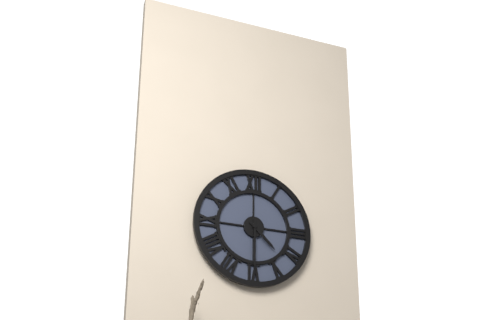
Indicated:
4 h 30 min
